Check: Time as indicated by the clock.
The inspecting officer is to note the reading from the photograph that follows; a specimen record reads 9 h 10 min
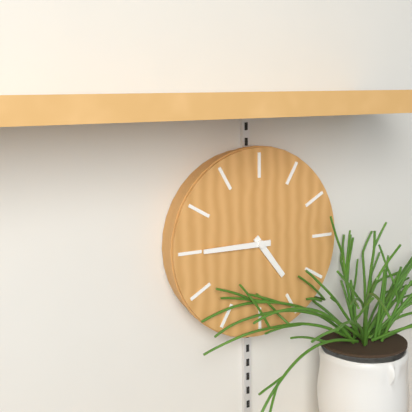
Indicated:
4 h 45 min
